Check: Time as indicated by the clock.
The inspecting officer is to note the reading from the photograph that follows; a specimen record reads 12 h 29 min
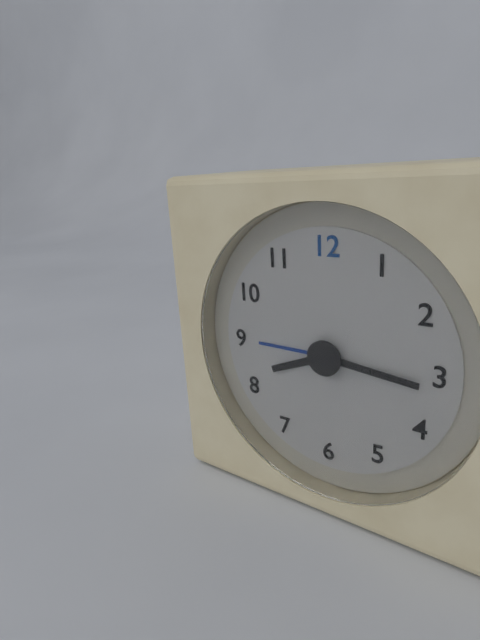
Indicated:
8 h 16 min
